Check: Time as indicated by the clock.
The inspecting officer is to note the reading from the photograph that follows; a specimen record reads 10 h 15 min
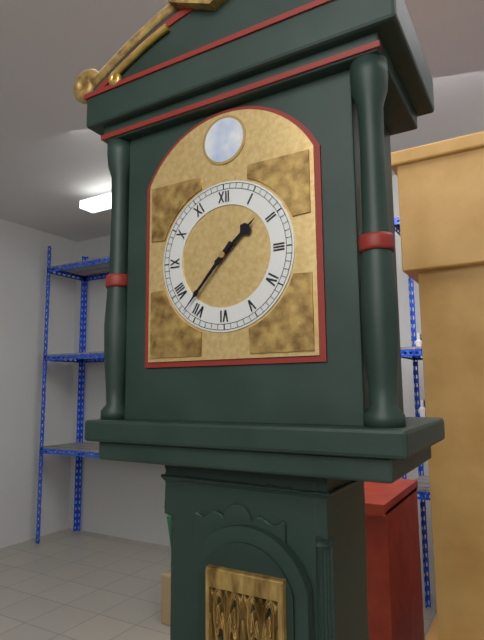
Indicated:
1 h 37 min
